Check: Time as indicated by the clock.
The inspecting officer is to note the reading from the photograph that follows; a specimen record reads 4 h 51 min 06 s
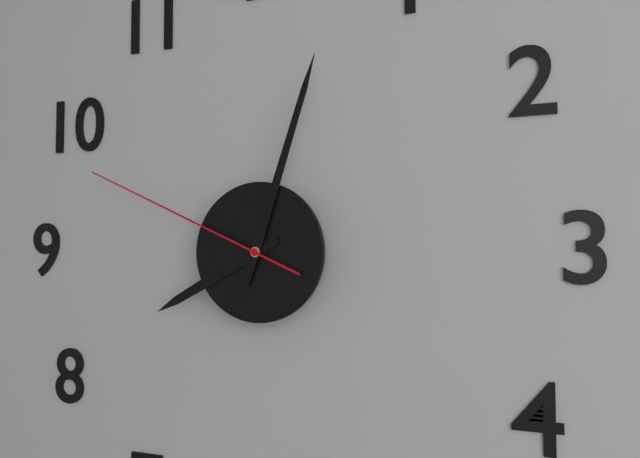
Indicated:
8 h 03 min 49 s
